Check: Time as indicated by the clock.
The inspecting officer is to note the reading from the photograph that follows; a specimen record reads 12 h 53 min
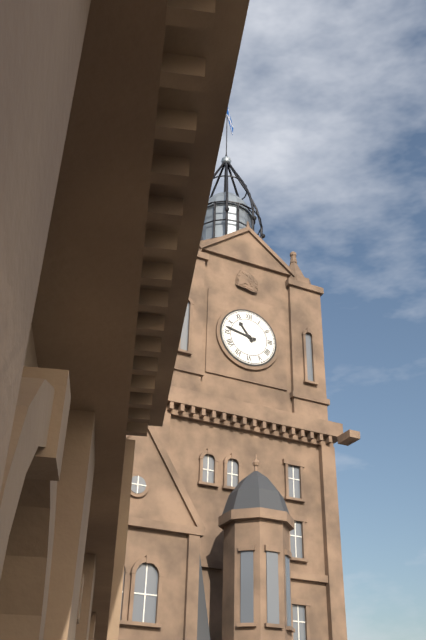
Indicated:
10 h 47 min
